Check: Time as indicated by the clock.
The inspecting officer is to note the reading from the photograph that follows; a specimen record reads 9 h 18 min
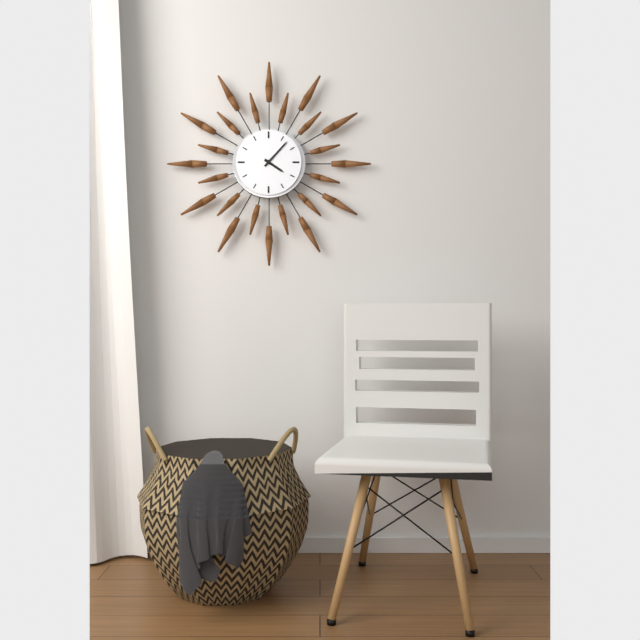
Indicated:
4 h 07 min
